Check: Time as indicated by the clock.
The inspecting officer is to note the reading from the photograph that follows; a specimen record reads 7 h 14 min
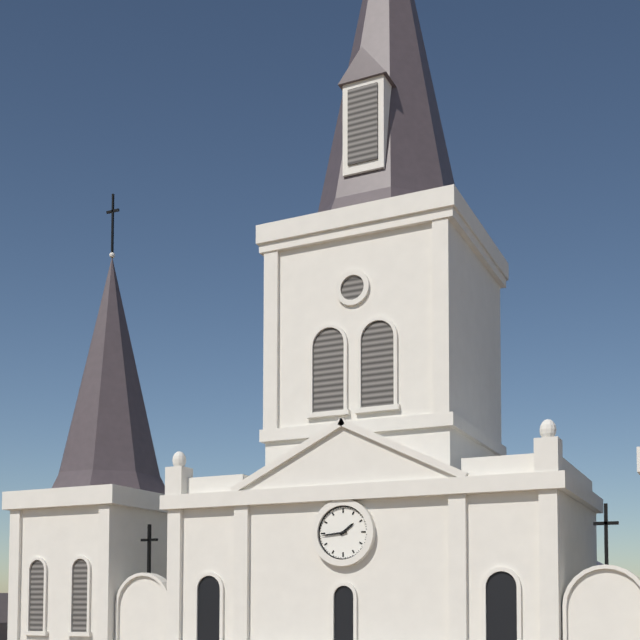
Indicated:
1 h 44 min
